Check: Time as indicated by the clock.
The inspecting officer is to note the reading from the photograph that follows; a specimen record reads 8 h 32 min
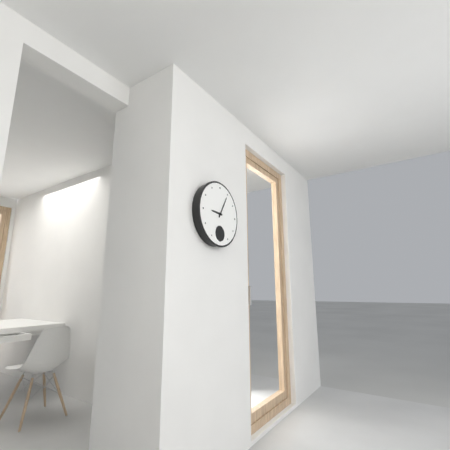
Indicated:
9 h 05 min
